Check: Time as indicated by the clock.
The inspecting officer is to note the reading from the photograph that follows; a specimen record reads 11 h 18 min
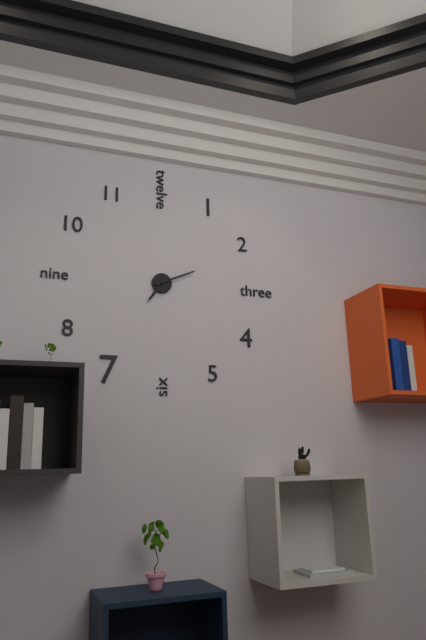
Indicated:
7 h 11 min
